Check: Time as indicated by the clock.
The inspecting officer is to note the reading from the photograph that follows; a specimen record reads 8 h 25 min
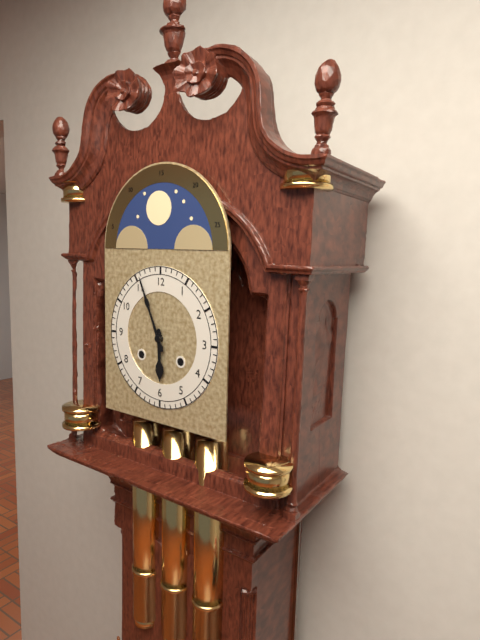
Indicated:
5 h 56 min
